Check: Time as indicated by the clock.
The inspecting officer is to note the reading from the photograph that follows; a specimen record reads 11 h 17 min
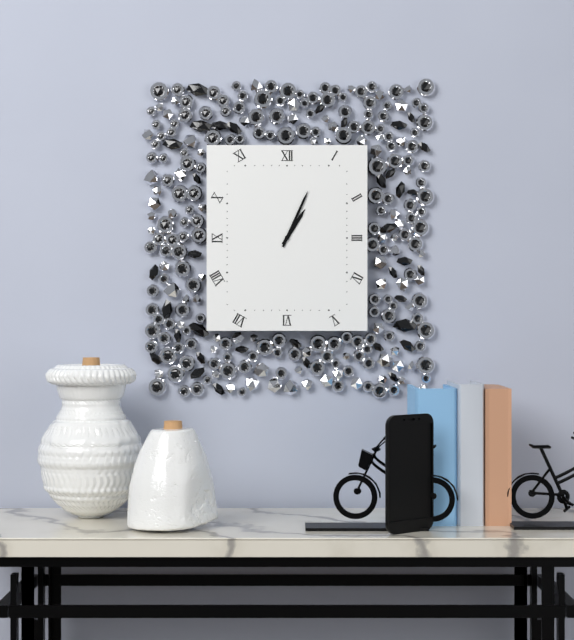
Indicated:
1 h 04 min
